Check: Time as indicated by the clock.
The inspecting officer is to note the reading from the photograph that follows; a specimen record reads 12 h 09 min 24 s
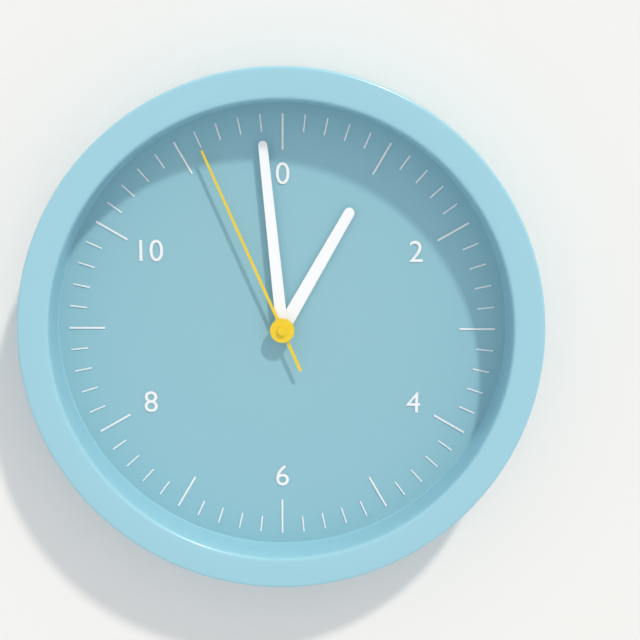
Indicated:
12 h 59 min 56 s
